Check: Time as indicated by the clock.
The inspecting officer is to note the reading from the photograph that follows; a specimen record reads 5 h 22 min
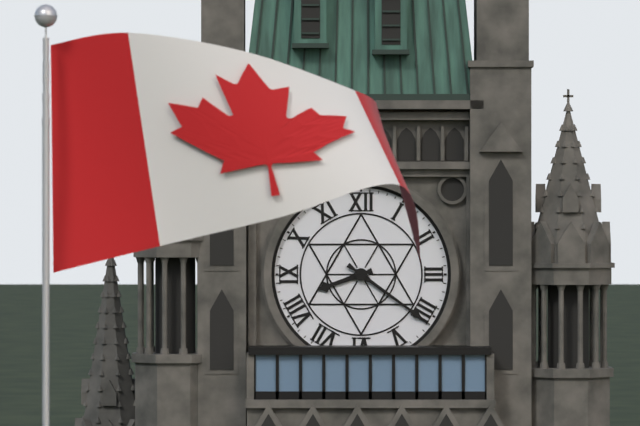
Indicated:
8 h 21 min
